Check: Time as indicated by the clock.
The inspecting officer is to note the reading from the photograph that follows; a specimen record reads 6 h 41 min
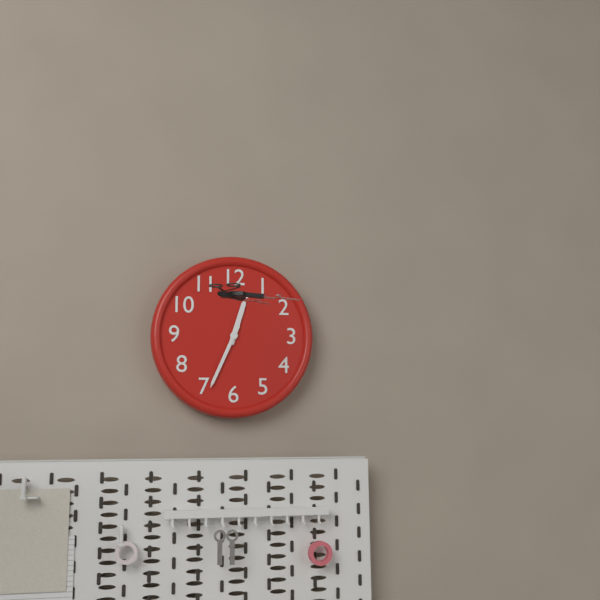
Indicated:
12 h 34 min
